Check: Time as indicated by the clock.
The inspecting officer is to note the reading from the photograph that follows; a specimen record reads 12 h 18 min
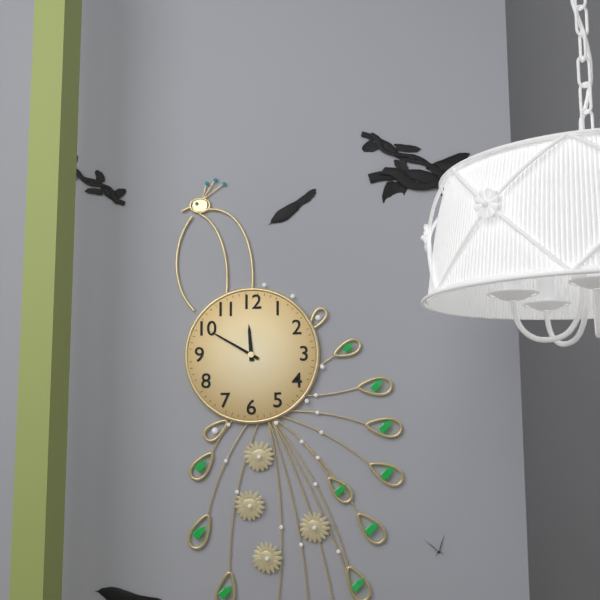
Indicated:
11 h 50 min
